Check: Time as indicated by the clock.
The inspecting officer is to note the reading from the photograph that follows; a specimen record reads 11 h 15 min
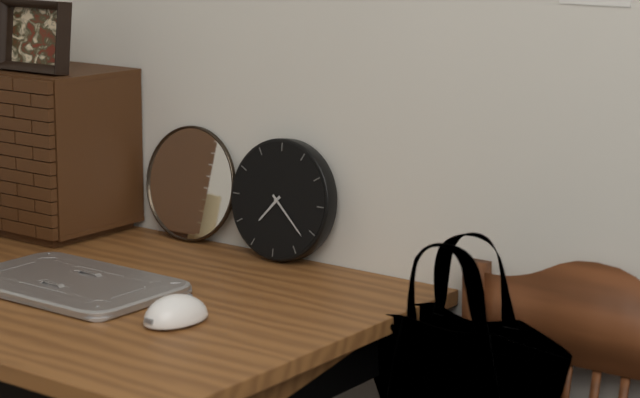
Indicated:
7 h 22 min
